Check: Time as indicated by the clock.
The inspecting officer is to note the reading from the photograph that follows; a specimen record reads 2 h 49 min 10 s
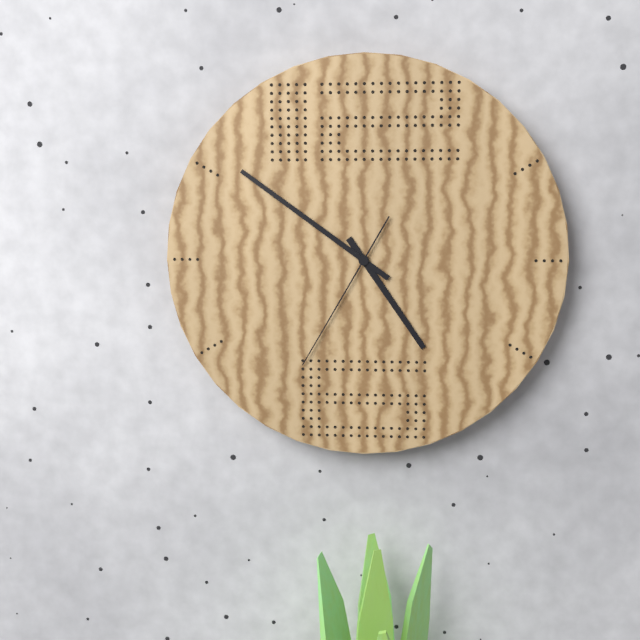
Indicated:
4 h 51 min 35 s
